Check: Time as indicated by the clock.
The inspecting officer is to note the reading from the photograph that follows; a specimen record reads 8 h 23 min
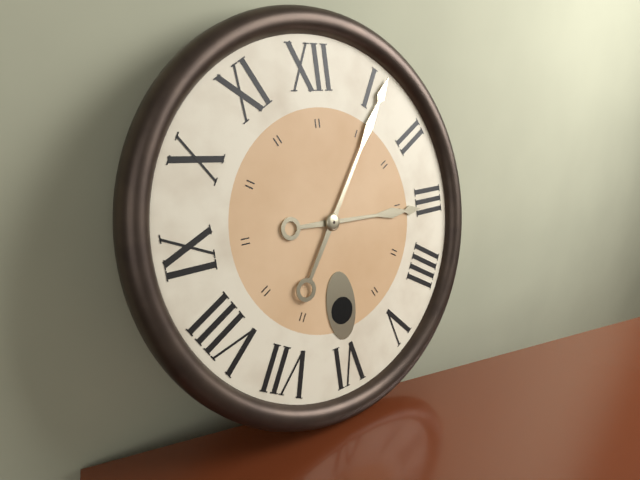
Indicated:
3 h 06 min
